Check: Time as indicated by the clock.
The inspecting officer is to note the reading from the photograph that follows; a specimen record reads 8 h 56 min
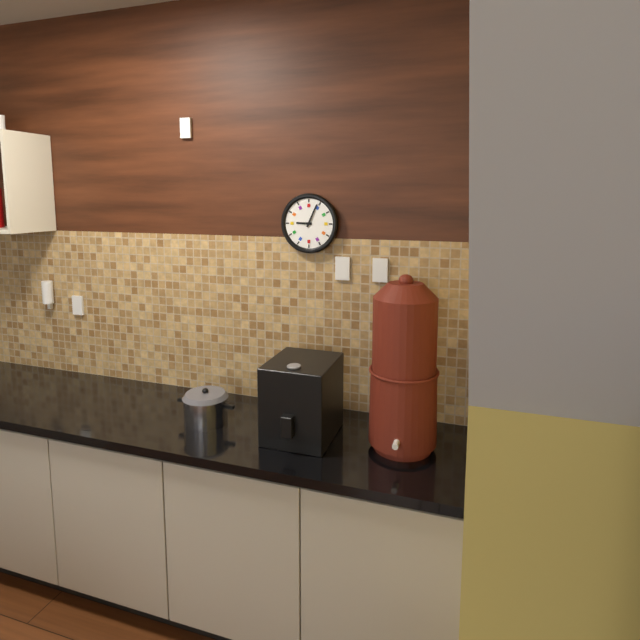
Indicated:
9 h 04 min
